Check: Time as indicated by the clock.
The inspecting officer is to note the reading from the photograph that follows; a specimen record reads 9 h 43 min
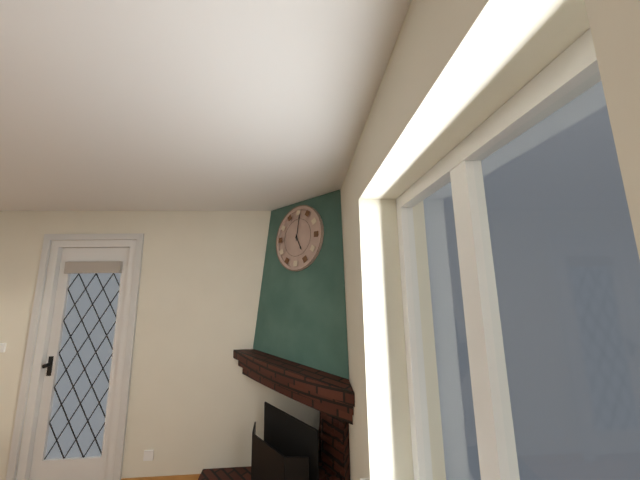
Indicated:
5 h 01 min
